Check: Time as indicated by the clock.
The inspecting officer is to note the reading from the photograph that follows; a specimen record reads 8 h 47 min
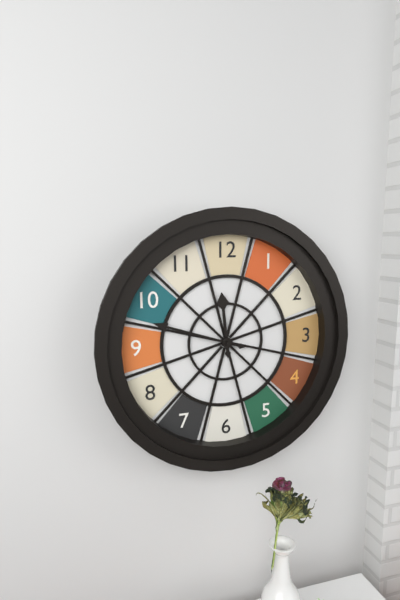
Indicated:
11 h 48 min
